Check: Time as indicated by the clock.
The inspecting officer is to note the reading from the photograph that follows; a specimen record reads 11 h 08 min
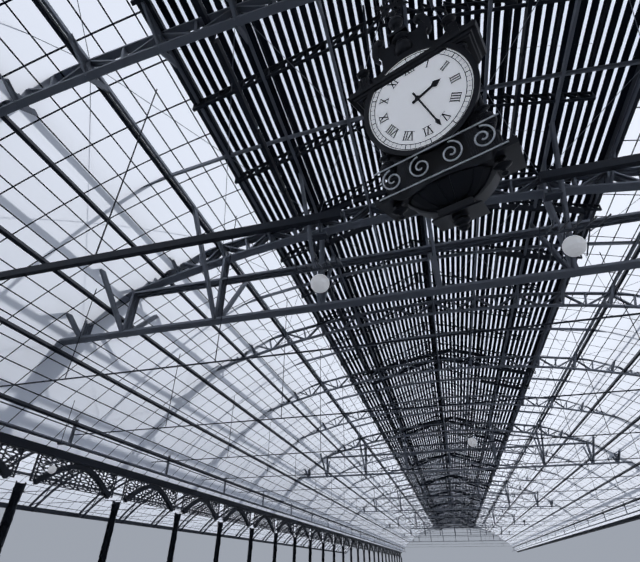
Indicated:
2 h 27 min
